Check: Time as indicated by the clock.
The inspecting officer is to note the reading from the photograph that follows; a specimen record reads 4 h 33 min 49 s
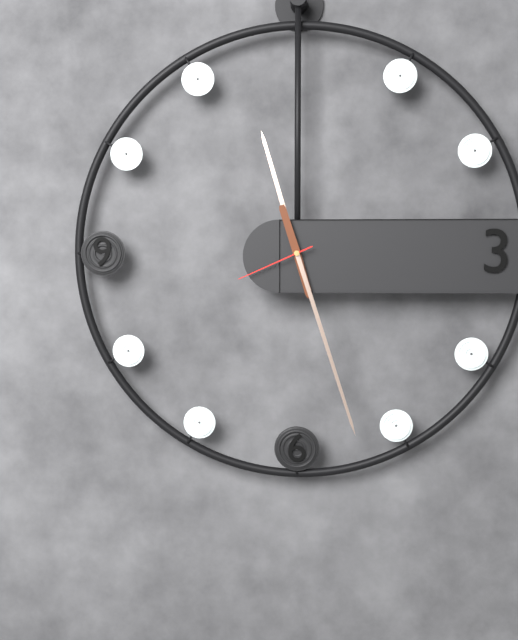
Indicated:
11 h 27 min 41 s
